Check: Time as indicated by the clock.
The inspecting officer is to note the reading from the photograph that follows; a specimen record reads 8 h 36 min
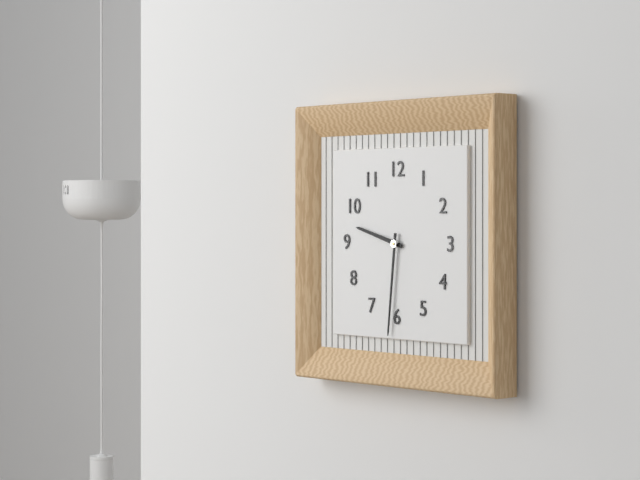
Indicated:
9 h 31 min
